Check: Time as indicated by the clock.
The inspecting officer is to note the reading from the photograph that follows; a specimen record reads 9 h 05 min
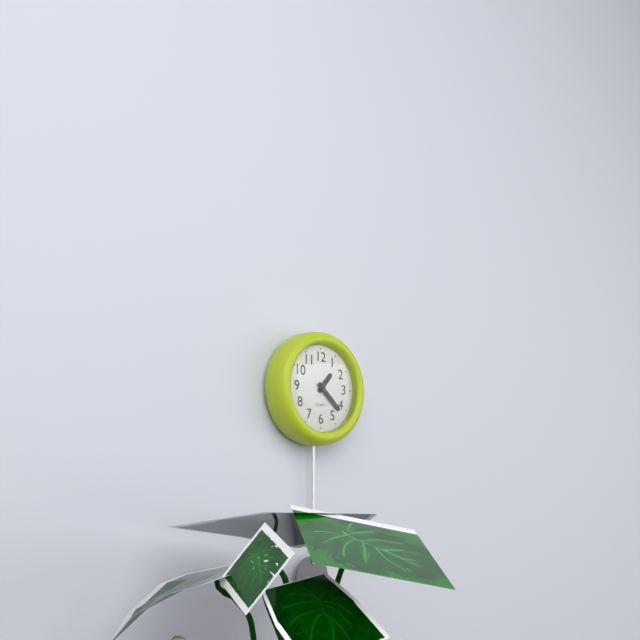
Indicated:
1 h 22 min
